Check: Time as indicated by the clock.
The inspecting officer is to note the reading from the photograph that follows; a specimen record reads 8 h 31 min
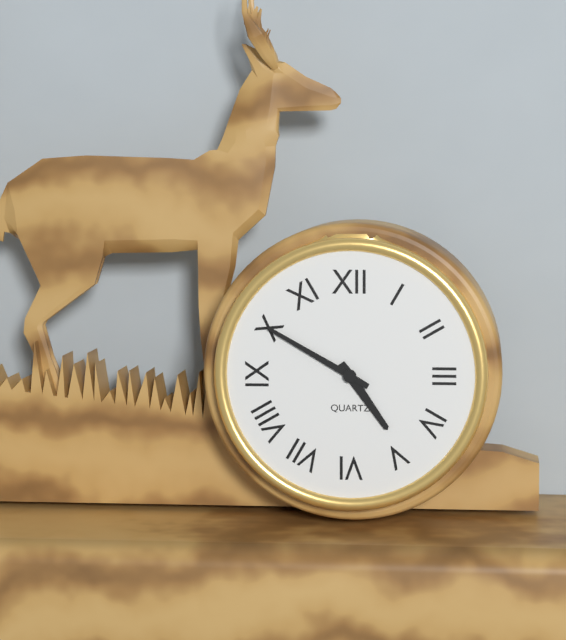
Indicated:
4 h 50 min
